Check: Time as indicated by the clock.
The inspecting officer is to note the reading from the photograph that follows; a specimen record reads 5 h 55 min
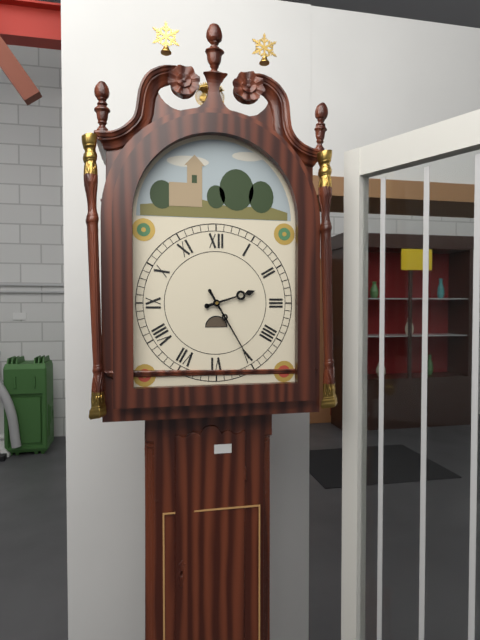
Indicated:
2 h 25 min
